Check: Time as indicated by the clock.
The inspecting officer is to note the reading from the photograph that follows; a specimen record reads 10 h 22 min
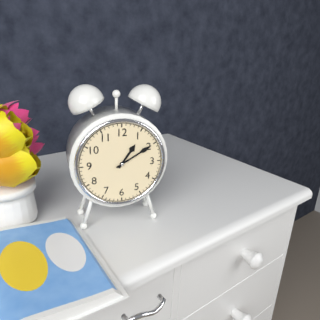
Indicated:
1 h 10 min
